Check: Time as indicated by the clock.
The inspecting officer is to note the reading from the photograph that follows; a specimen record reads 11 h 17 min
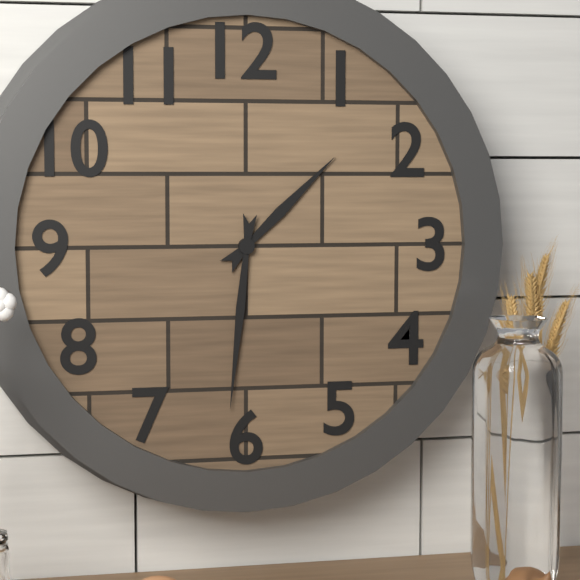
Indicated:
1 h 31 min
